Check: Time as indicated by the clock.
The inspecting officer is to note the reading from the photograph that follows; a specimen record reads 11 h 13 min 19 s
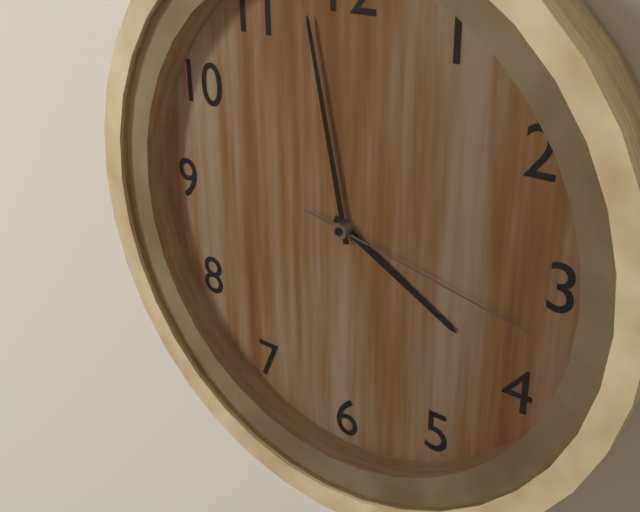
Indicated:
3 h 58 min 17 s
